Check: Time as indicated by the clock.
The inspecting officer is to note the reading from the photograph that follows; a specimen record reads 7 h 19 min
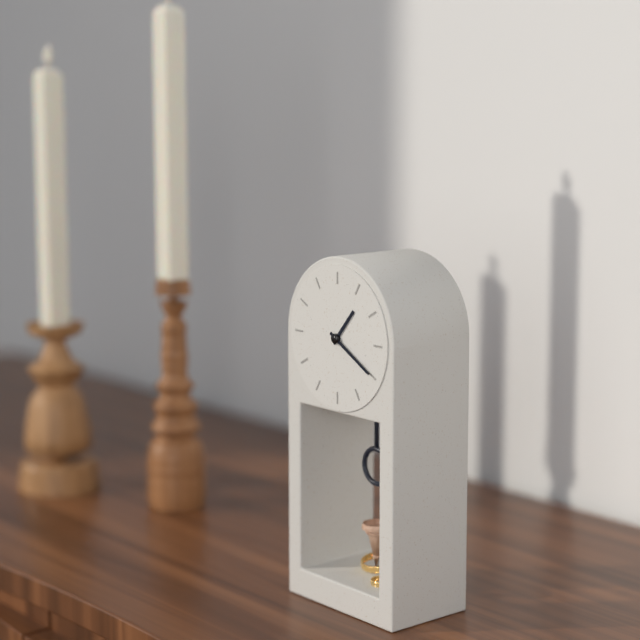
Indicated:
1 h 20 min
